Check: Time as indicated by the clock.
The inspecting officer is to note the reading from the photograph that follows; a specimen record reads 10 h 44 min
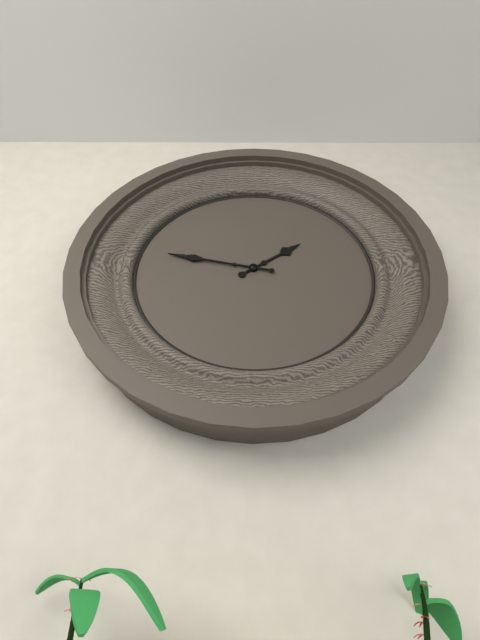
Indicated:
1 h 47 min
